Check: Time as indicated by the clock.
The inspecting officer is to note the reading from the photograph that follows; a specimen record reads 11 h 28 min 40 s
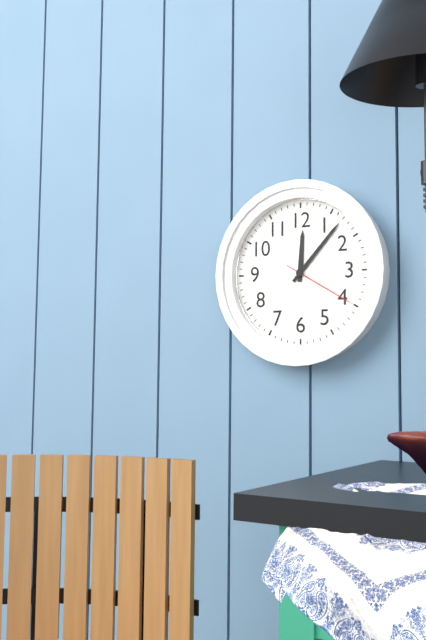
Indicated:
12 h 07 min 20 s
